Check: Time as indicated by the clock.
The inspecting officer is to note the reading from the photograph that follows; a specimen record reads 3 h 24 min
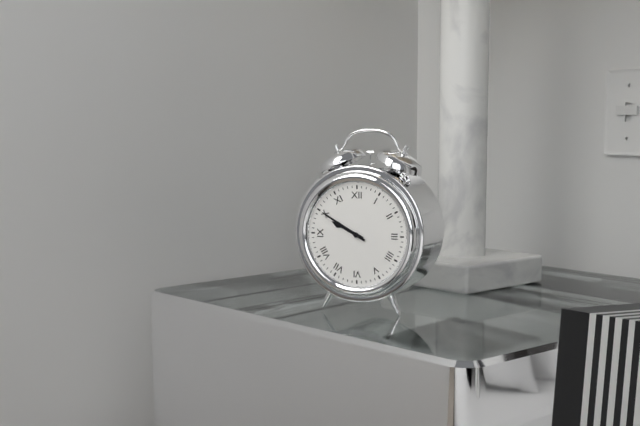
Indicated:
9 h 50 min
